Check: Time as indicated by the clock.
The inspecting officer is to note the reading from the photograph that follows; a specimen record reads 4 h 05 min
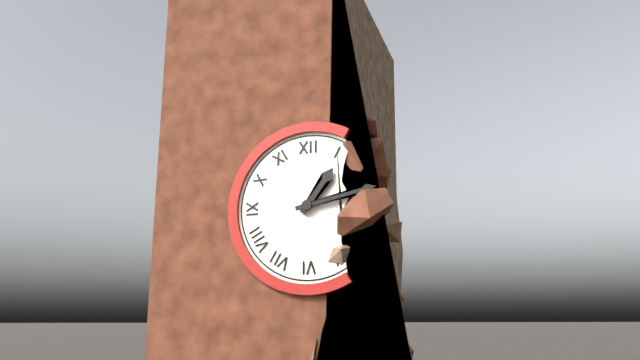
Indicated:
1 h 13 min
